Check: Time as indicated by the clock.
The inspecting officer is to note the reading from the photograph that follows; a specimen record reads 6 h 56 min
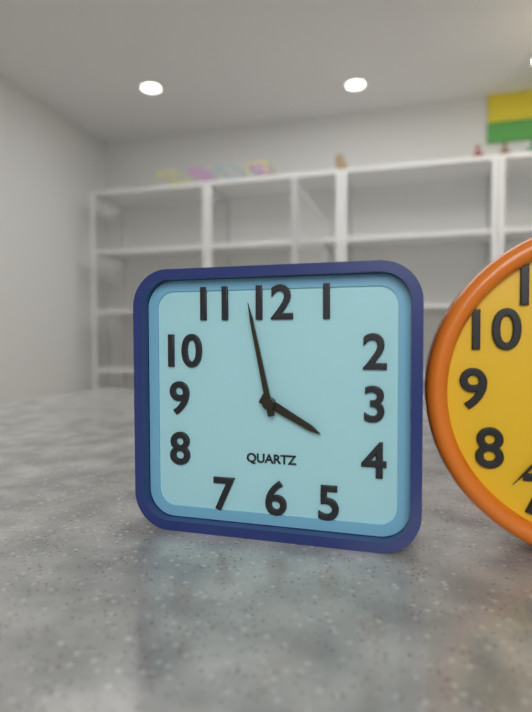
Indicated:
3 h 58 min
